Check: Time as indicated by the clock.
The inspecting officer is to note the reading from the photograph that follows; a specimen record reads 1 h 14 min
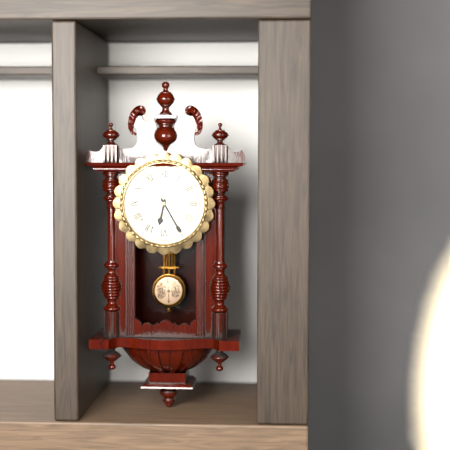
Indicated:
6 h 25 min
